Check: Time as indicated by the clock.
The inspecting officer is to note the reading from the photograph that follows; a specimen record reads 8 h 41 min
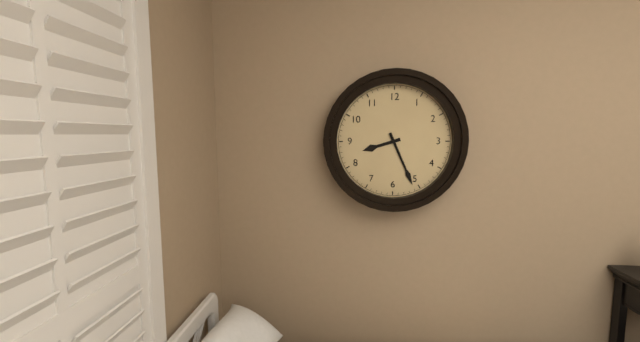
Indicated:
8 h 26 min
